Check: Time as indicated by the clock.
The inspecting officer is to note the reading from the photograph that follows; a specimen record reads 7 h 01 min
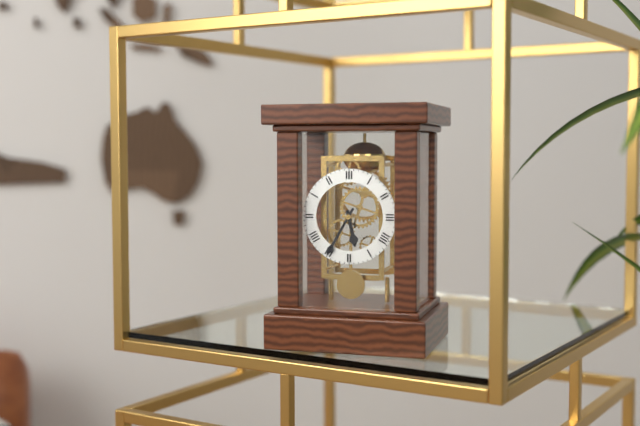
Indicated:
5 h 35 min
